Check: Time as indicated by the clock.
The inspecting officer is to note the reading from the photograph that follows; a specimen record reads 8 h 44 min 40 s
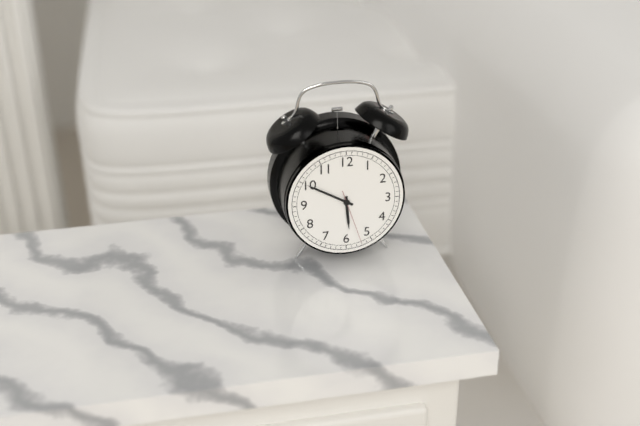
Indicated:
5 h 50 min 27 s
